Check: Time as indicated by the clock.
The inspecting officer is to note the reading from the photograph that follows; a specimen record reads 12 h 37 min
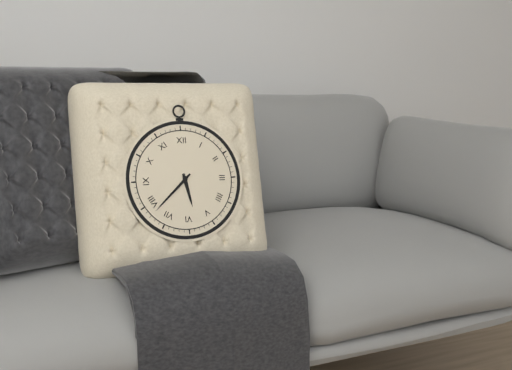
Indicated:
5 h 38 min
